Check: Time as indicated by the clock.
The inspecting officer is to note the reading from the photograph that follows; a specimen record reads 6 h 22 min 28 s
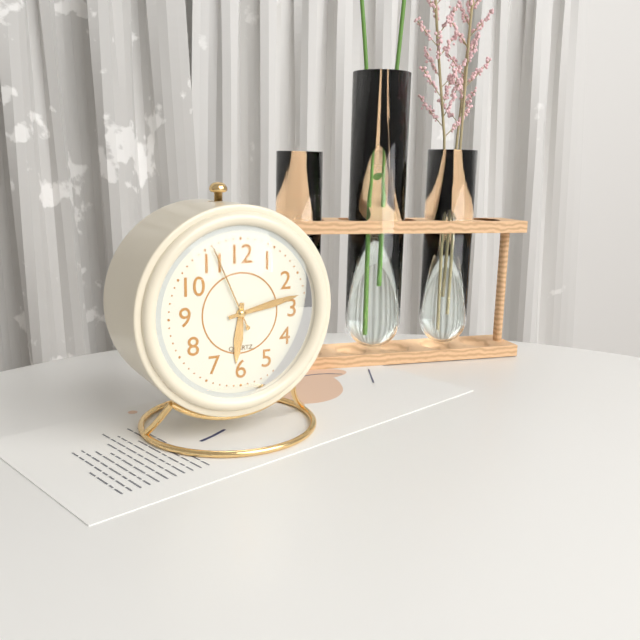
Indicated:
6 h 13 min 56 s
